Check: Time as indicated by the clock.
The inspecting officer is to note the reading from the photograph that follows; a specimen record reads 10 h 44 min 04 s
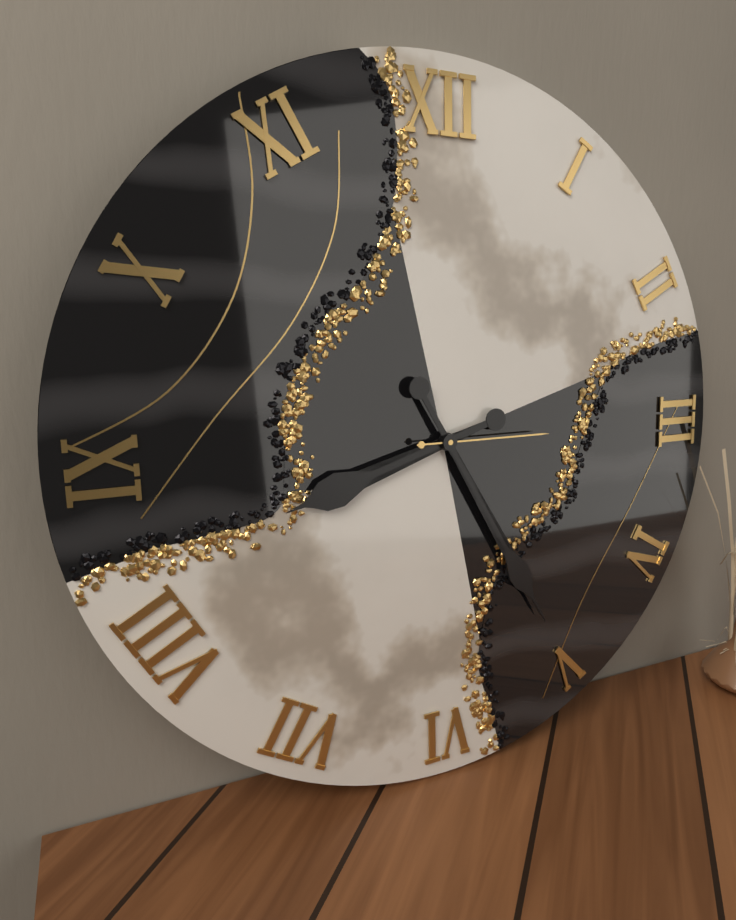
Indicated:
8 h 25 min 15 s
